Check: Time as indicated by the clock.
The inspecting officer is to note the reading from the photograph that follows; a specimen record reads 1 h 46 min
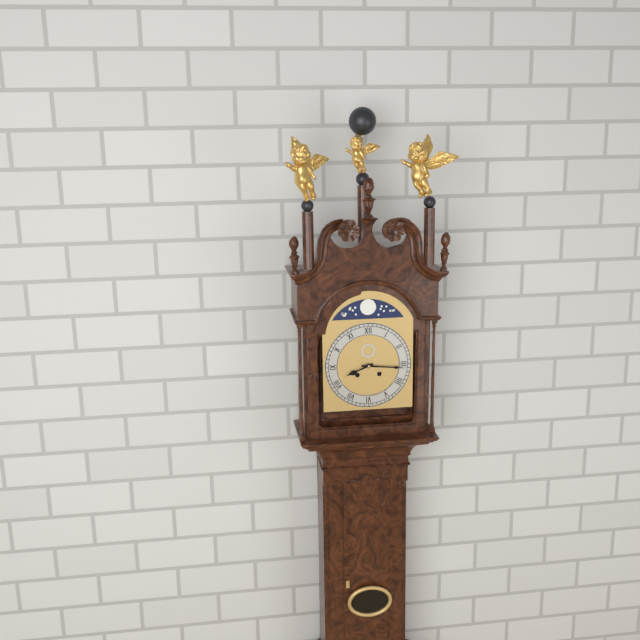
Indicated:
8 h 16 min
